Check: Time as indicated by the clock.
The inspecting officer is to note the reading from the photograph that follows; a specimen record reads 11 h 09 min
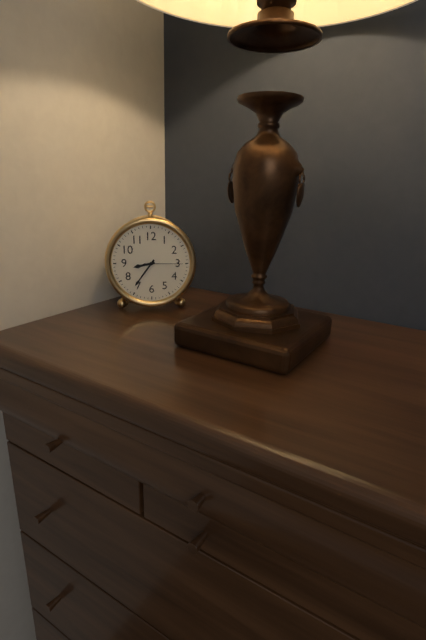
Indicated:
8 h 36 min
